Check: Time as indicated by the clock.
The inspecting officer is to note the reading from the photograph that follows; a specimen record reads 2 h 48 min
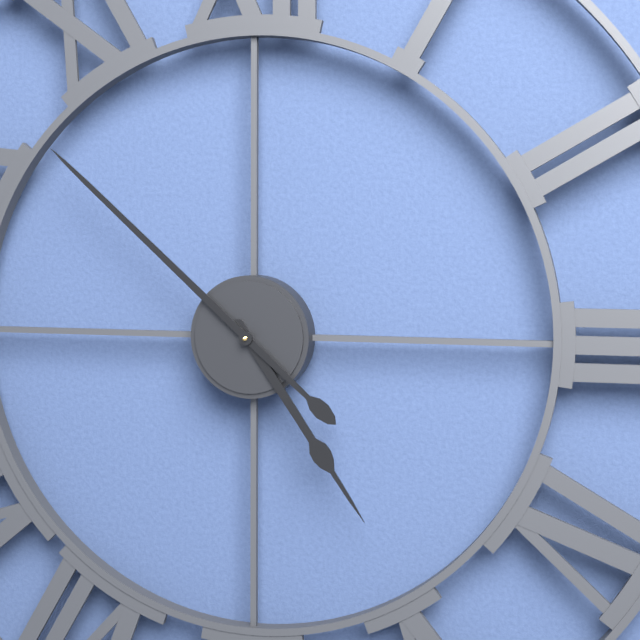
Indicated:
4 h 52 min
